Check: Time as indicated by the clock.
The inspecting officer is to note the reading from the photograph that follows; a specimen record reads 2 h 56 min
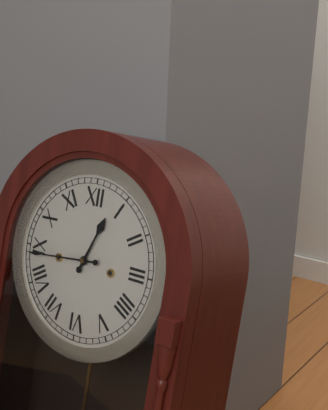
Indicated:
12 h 44 min
